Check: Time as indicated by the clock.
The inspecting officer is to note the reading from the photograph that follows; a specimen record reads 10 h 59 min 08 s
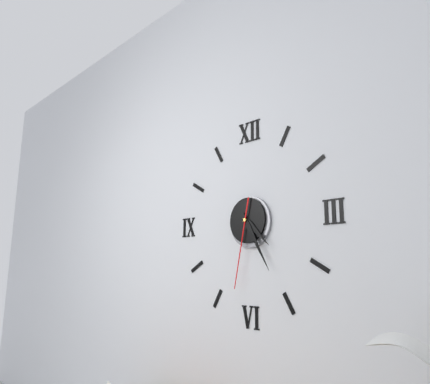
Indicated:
4 h 25 min 32 s
